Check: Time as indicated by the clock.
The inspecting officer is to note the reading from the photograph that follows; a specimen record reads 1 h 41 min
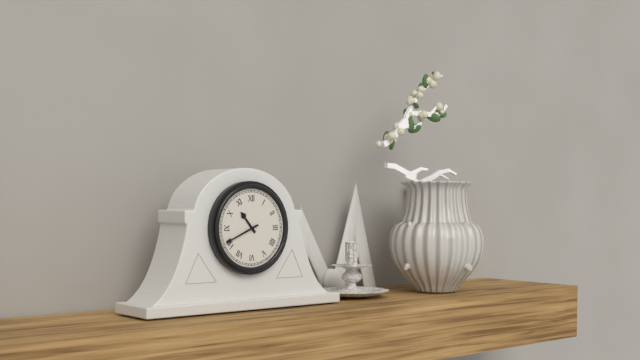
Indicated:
10 h 41 min
